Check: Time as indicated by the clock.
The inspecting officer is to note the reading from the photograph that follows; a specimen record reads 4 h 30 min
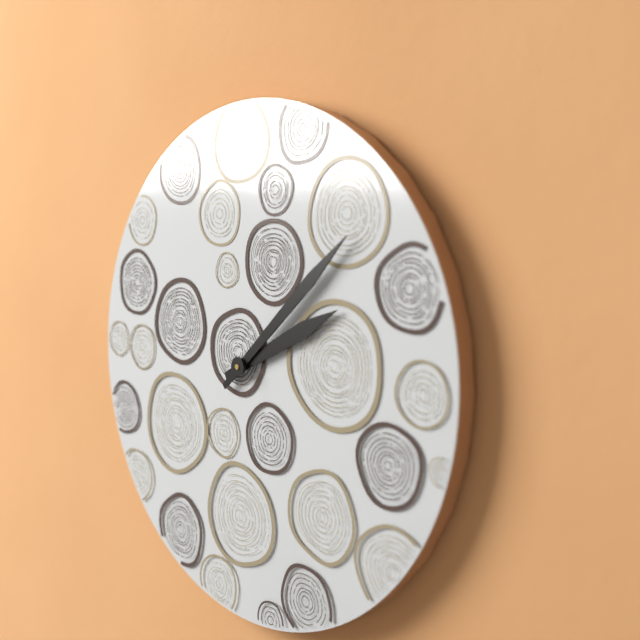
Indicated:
2 h 08 min
